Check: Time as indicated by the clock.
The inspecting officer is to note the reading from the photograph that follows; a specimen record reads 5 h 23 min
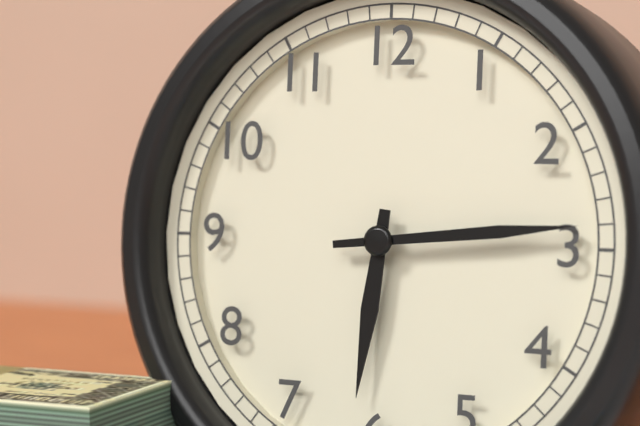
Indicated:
6 h 14 min
